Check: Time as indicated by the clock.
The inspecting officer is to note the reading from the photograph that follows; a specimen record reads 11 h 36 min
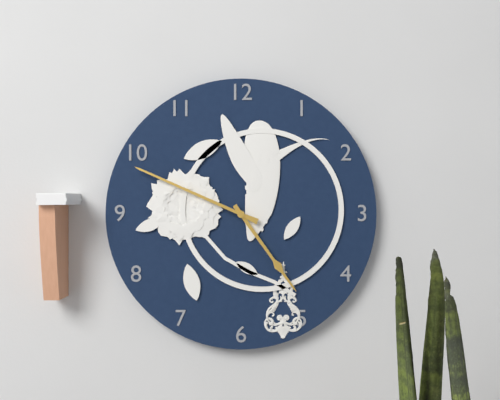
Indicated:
4 h 49 min
